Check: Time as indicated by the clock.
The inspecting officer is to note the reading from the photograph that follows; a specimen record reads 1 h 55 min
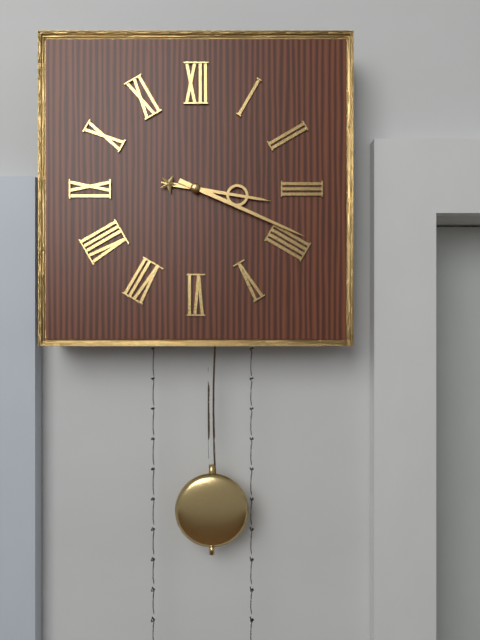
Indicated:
3 h 19 min
